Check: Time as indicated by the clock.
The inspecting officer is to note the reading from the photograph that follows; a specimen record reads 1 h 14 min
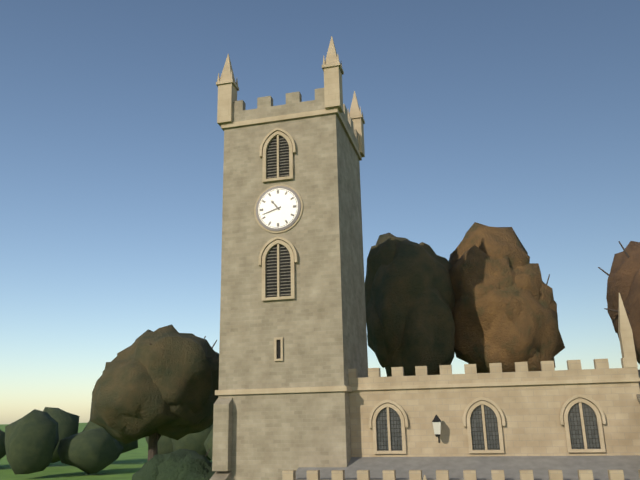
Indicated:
10 h 42 min
